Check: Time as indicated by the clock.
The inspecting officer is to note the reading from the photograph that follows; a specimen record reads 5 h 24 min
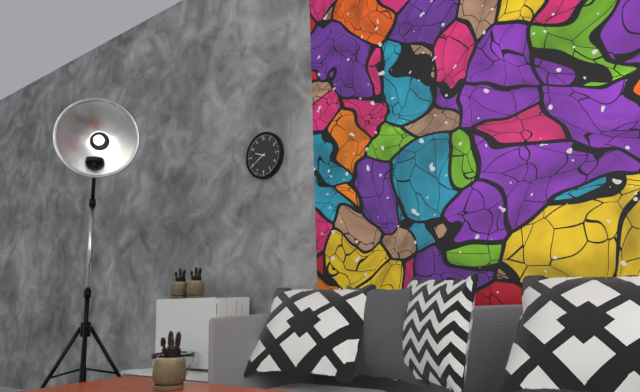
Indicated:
9 h 40 min
